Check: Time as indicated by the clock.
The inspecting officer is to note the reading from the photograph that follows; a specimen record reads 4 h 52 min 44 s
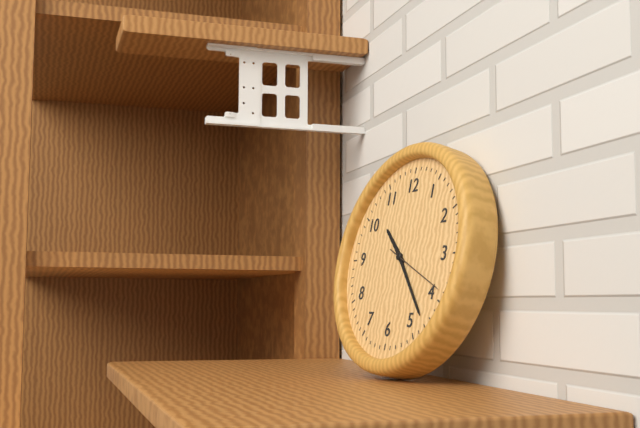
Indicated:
10 h 23 min 19 s
